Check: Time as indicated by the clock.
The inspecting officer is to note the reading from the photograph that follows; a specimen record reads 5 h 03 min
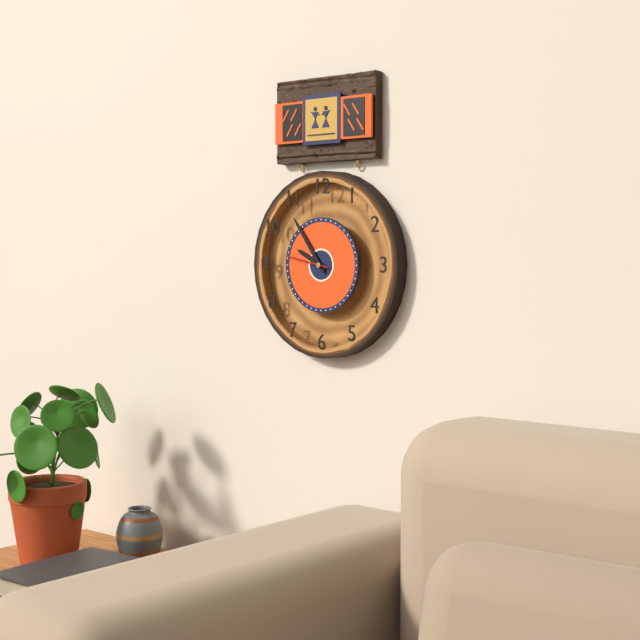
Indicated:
9 h 54 min
